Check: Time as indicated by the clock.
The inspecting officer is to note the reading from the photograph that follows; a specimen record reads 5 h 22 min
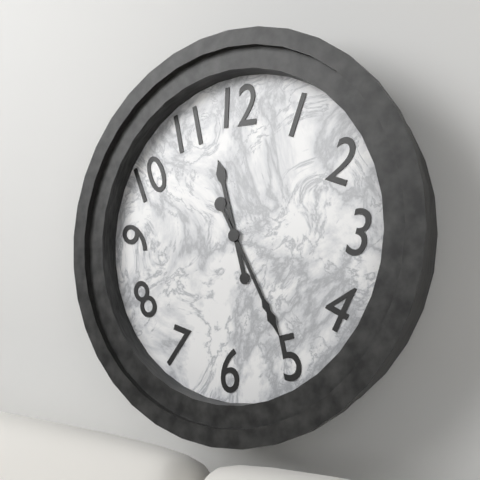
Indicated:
11 h 25 min
